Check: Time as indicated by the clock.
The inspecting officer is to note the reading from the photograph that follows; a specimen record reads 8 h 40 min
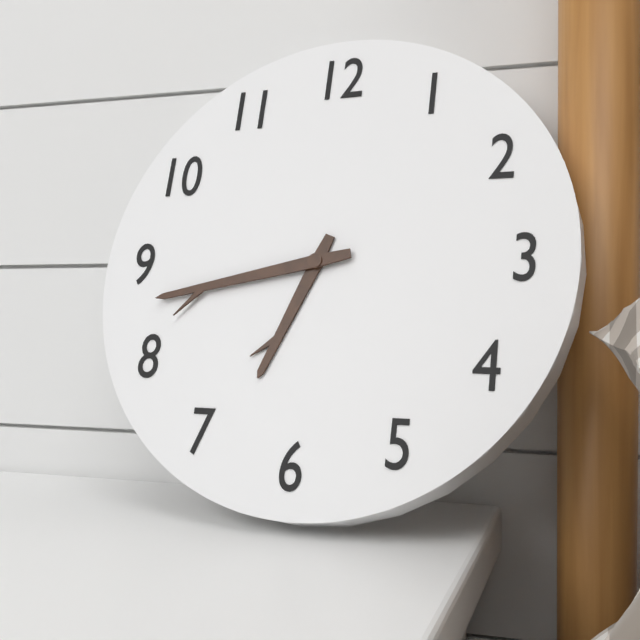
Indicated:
6 h 43 min
